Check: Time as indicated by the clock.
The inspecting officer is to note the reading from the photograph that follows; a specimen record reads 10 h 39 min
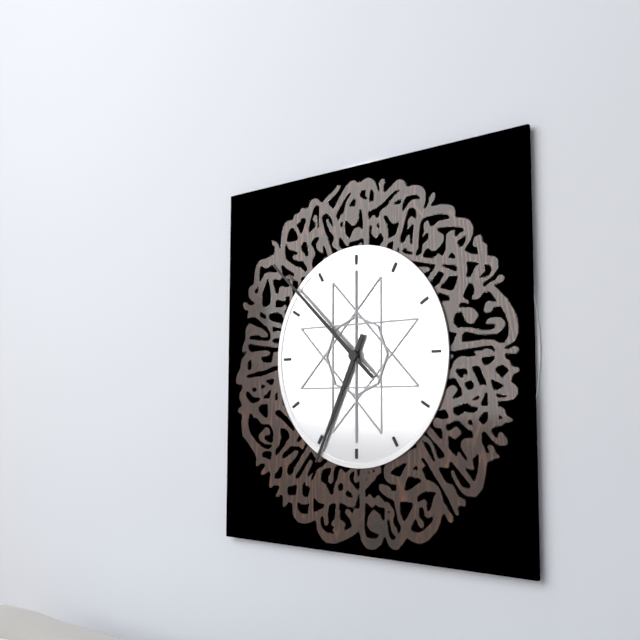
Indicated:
6 h 52 min
